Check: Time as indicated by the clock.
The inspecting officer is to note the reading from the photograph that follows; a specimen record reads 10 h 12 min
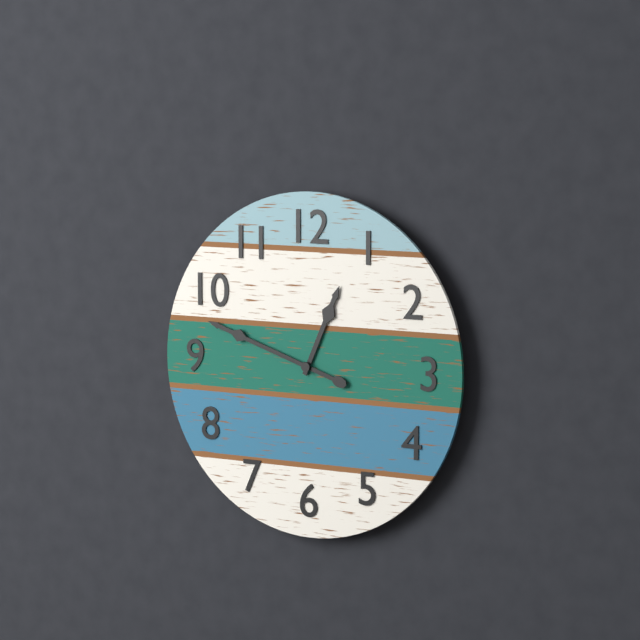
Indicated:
12 h 48 min
